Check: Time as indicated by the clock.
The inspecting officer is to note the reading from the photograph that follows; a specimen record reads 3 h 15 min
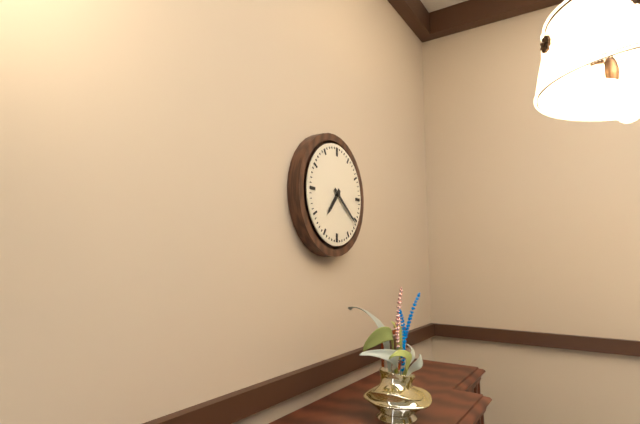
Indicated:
7 h 21 min
